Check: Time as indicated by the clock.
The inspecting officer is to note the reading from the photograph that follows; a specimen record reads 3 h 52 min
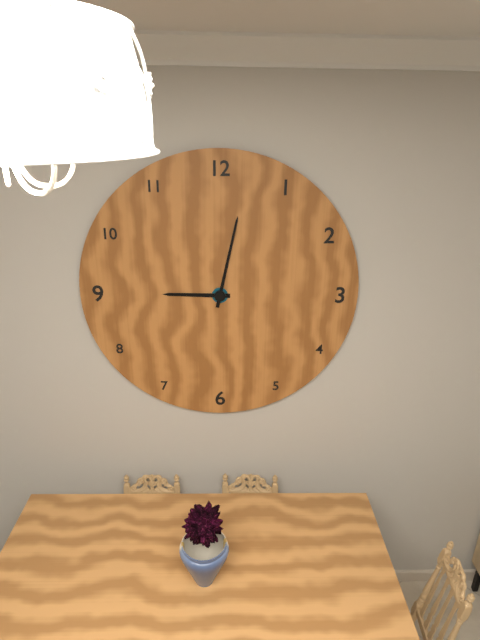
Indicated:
9 h 02 min
